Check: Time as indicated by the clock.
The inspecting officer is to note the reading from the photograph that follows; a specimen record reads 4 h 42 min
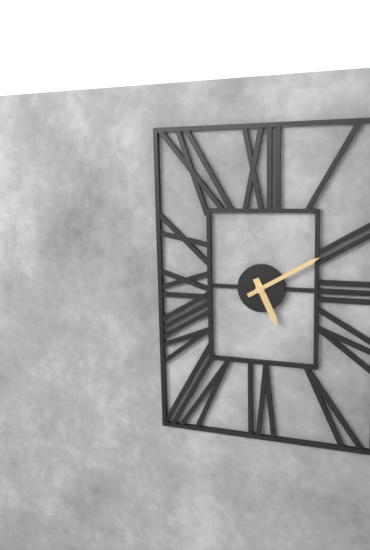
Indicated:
5 h 10 min
